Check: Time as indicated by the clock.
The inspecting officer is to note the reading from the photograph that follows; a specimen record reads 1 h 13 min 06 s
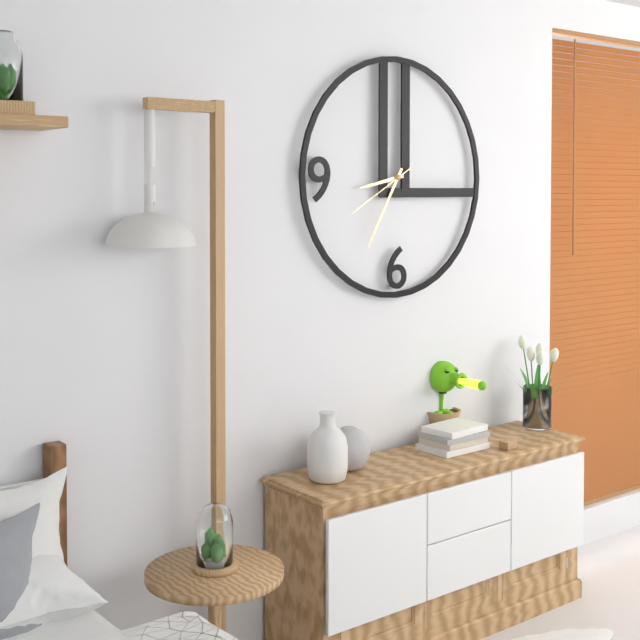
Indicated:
8 h 35 min 40 s
